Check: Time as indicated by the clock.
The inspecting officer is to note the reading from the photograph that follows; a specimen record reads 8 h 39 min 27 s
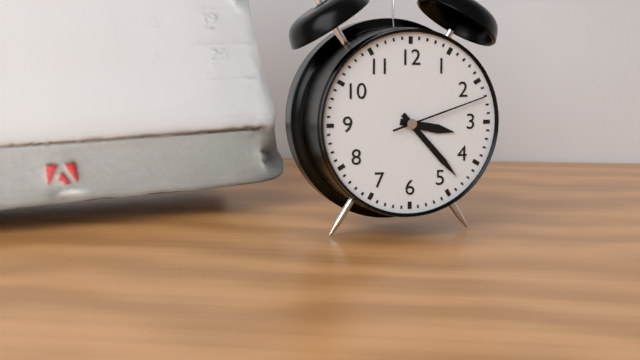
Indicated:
3 h 23 min 12 s
